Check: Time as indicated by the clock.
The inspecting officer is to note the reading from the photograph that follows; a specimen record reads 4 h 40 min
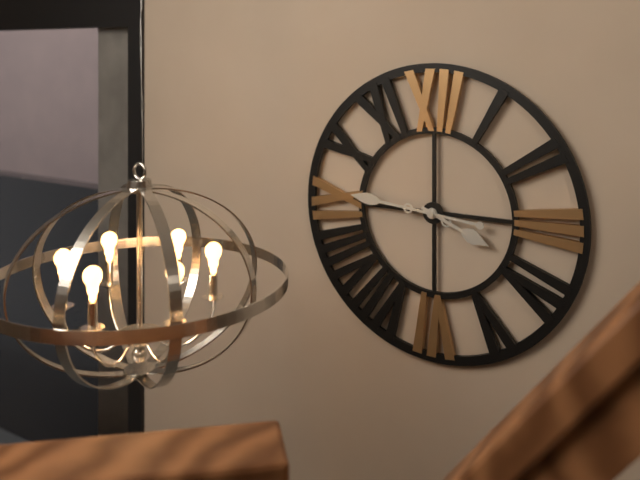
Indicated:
3 h 46 min
